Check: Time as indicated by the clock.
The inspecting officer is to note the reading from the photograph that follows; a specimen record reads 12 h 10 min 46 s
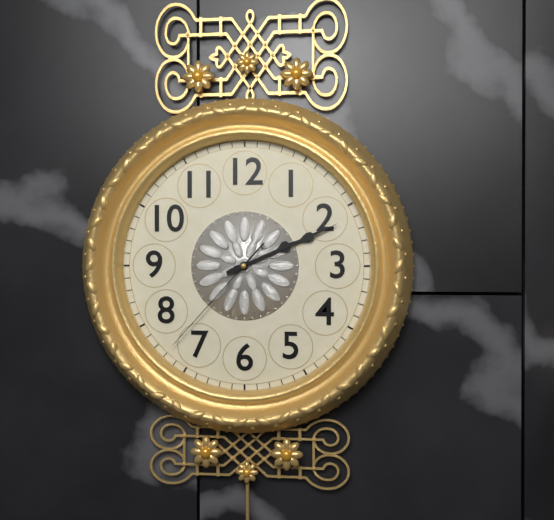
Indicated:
2 h 11 min 37 s
